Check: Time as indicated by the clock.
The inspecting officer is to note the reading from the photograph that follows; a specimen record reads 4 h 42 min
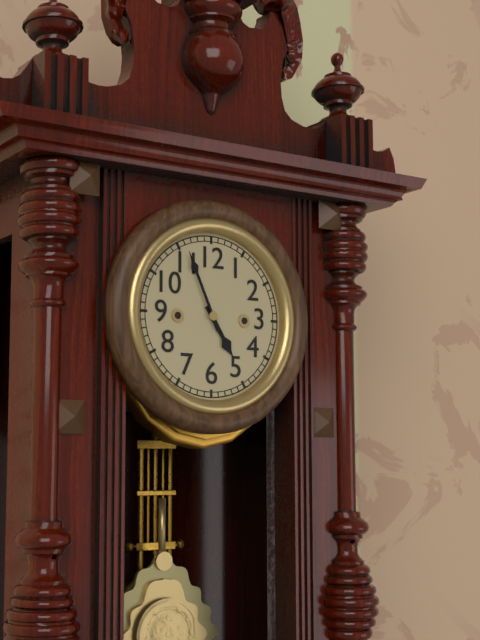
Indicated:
4 h 56 min
